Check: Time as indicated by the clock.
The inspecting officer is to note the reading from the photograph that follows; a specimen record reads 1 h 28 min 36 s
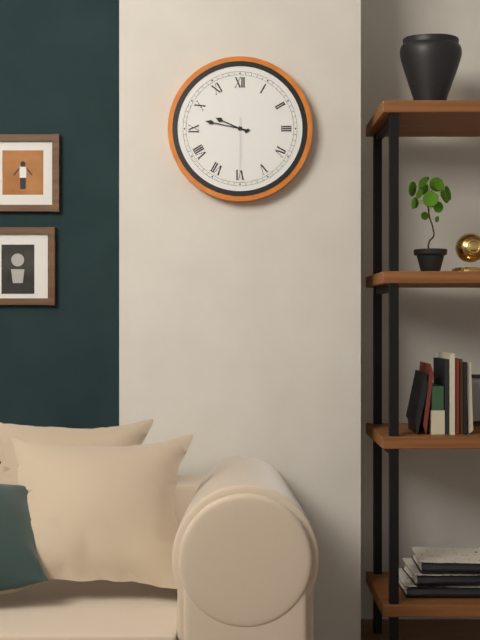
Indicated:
9 h 47 min 30 s
